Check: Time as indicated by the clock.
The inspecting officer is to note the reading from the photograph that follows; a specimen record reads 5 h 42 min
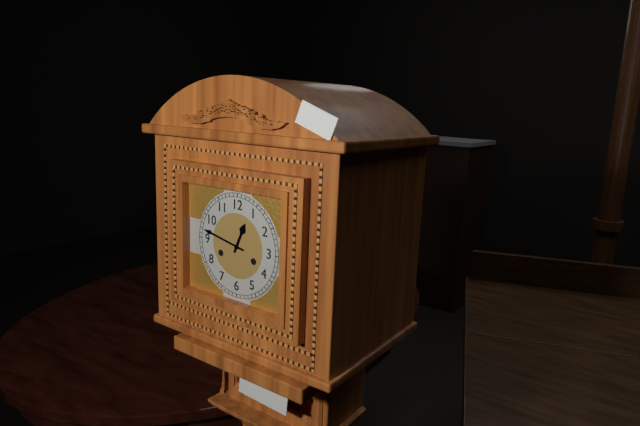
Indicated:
12 h 47 min
